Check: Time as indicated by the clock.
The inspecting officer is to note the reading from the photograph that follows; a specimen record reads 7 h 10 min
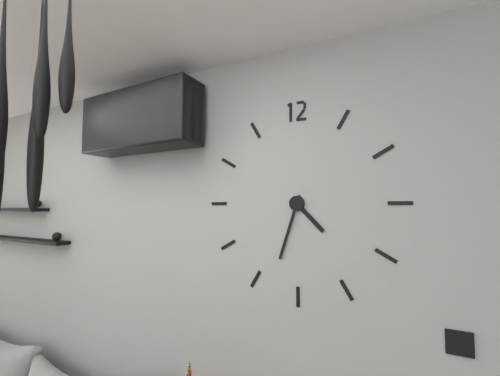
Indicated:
4 h 33 min
